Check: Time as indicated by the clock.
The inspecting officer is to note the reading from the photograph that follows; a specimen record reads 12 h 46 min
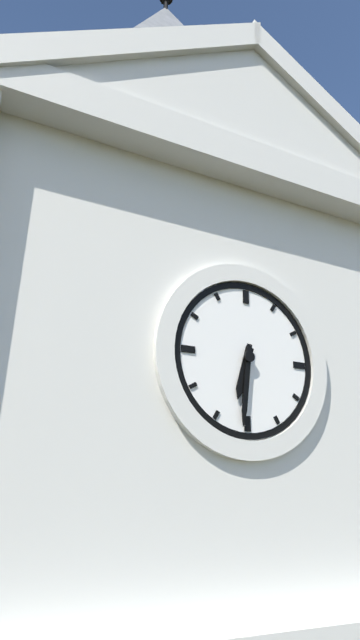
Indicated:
6 h 31 min
